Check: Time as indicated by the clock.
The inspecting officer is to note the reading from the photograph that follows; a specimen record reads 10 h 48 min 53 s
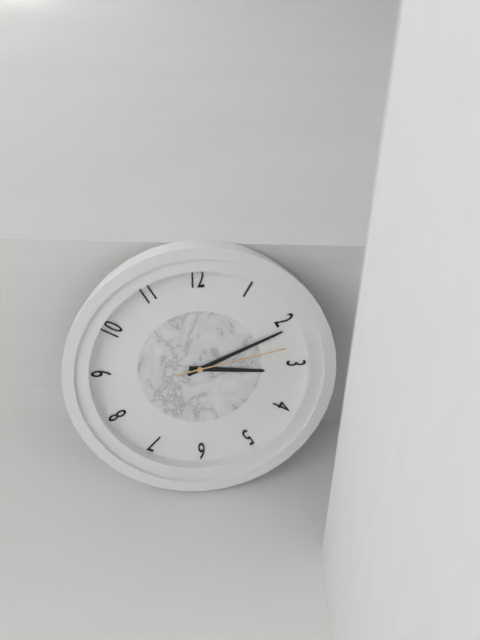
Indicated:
3 h 11 min 13 s
